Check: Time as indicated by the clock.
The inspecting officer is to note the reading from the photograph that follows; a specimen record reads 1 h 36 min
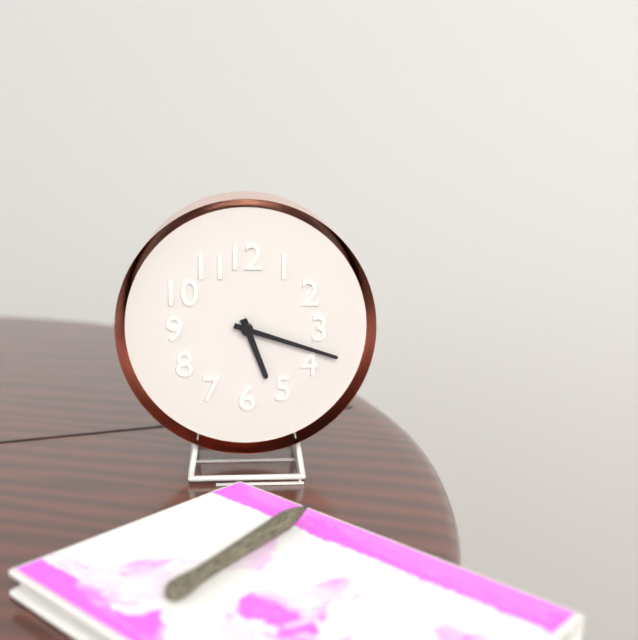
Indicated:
5 h 18 min
